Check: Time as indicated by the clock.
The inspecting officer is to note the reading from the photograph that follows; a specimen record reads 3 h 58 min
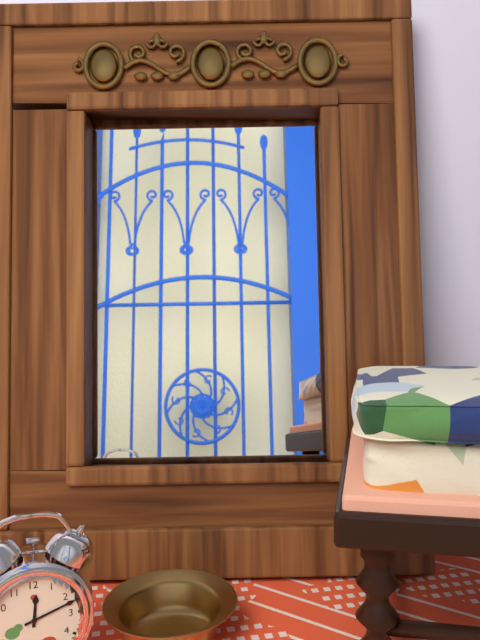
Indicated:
12 h 12 min
